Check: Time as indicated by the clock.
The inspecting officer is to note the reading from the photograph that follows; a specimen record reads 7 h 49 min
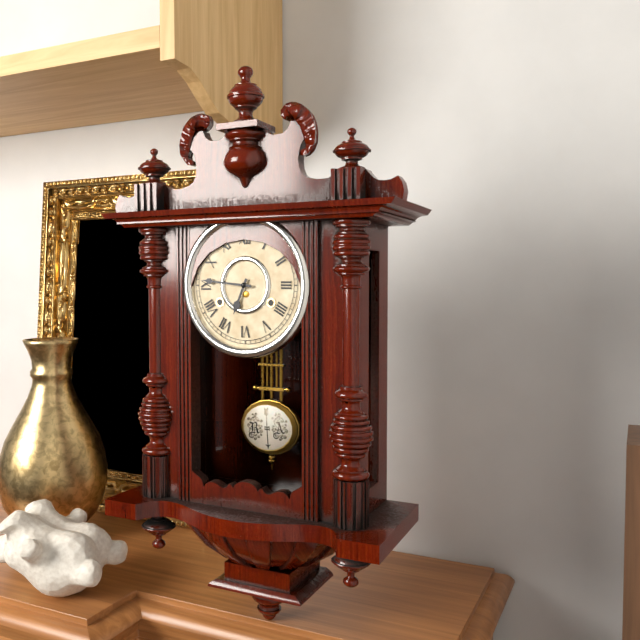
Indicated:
6 h 46 min
